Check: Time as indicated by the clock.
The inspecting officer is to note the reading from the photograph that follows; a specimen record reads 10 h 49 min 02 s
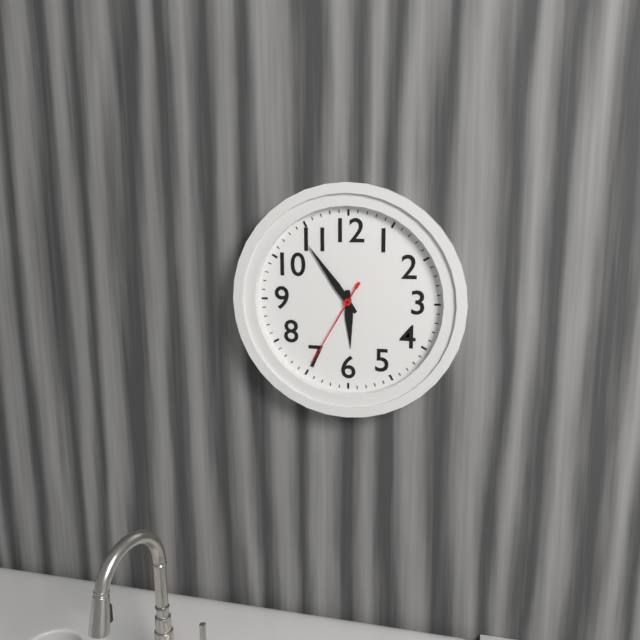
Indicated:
5 h 54 min 35 s
